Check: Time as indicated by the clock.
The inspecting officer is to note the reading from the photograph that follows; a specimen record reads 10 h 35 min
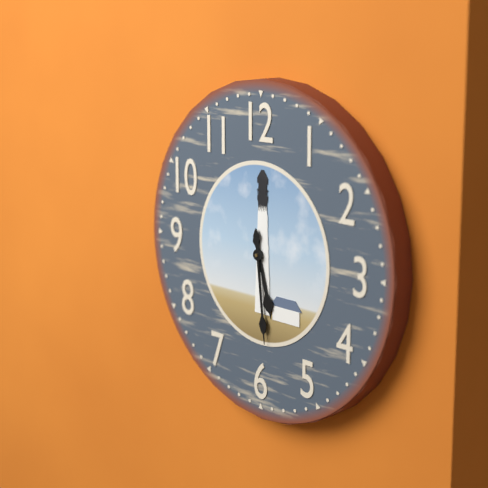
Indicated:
5 h 29 min
